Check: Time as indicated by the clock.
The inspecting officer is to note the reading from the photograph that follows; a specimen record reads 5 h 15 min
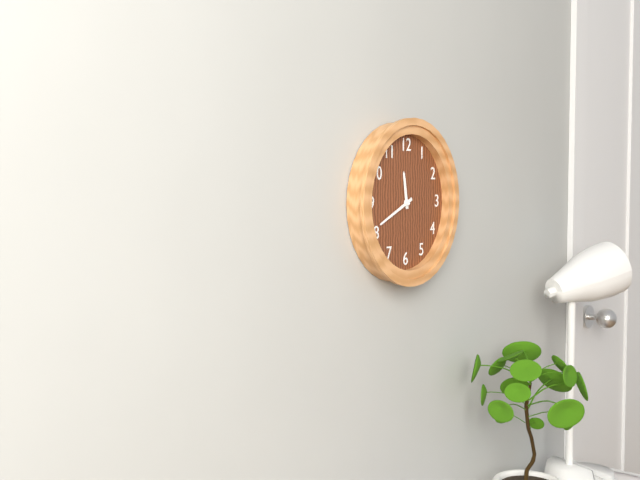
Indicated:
11 h 41 min
